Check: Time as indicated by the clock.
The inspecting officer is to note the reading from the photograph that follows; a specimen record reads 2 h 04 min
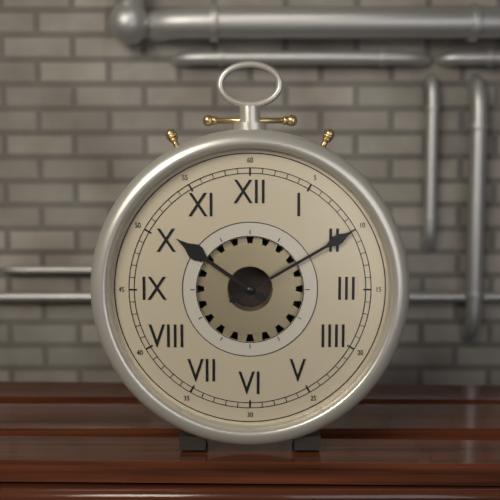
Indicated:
10 h 10 min
